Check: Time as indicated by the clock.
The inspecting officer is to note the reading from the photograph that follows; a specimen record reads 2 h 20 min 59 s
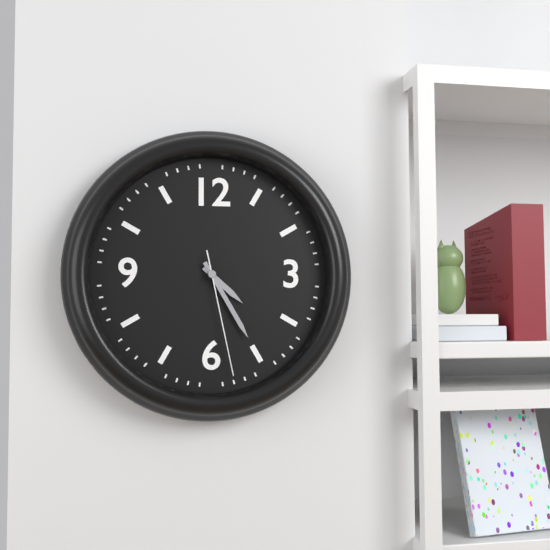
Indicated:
4 h 25 min 28 s
